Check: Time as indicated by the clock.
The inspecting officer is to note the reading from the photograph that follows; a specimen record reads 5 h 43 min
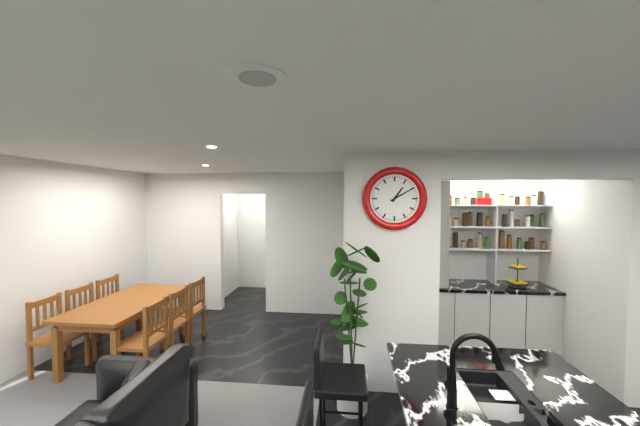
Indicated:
1 h 10 min
